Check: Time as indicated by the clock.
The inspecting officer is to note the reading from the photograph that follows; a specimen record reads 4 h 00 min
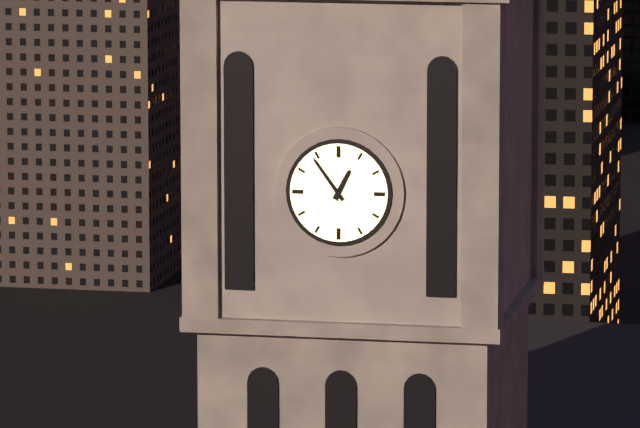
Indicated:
12 h 54 min
